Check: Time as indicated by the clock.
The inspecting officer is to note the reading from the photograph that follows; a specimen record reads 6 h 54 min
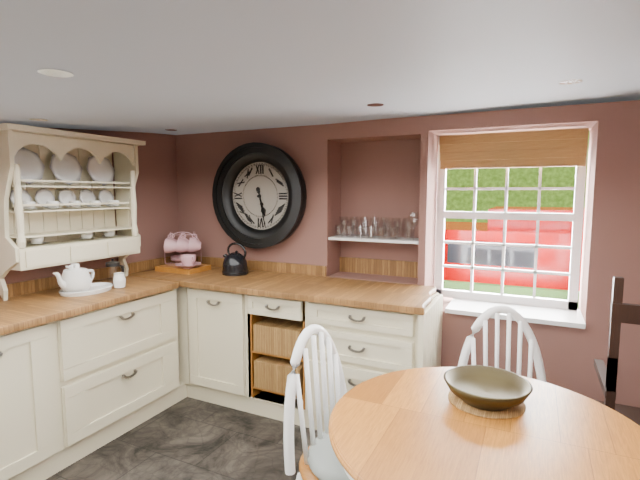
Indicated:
5 h 28 min
